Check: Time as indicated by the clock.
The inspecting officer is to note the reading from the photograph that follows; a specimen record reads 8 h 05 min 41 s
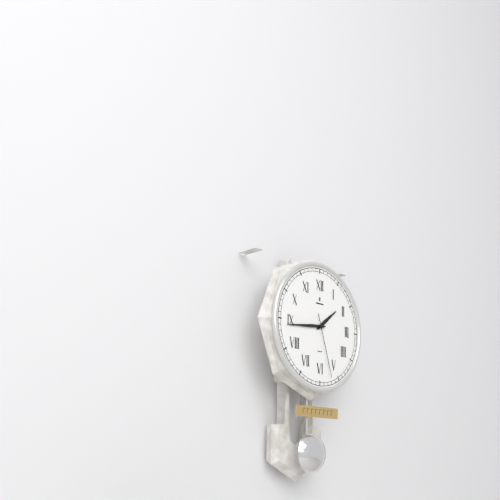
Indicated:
1 h 44 min 27 s
